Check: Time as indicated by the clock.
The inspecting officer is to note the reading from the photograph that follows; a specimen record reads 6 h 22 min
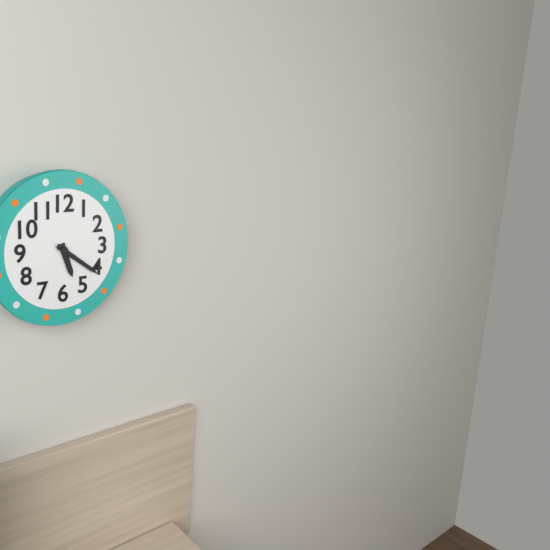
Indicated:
5 h 21 min
